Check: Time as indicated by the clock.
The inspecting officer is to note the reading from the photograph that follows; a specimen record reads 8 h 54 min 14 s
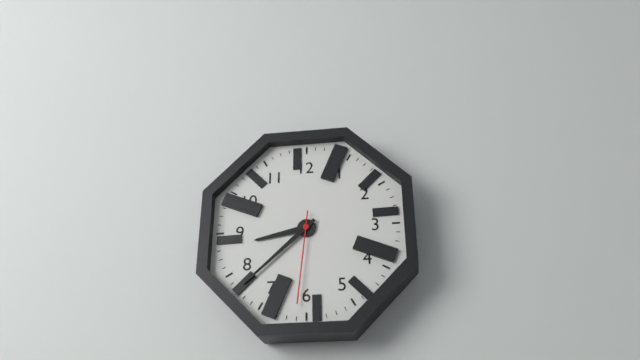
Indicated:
8 h 38 min 31 s
